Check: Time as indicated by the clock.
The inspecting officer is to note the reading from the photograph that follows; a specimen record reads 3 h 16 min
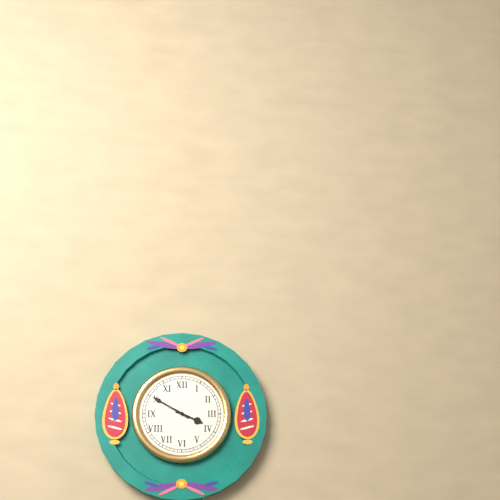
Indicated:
3 h 50 min
